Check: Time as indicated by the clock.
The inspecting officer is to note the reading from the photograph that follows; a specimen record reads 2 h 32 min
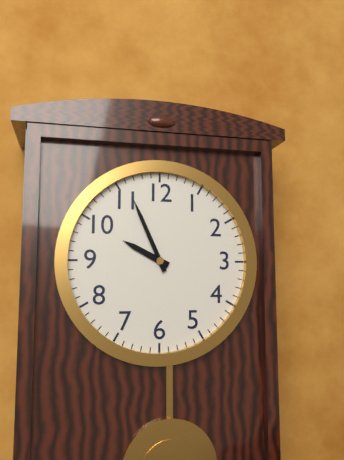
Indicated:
9 h 56 min
